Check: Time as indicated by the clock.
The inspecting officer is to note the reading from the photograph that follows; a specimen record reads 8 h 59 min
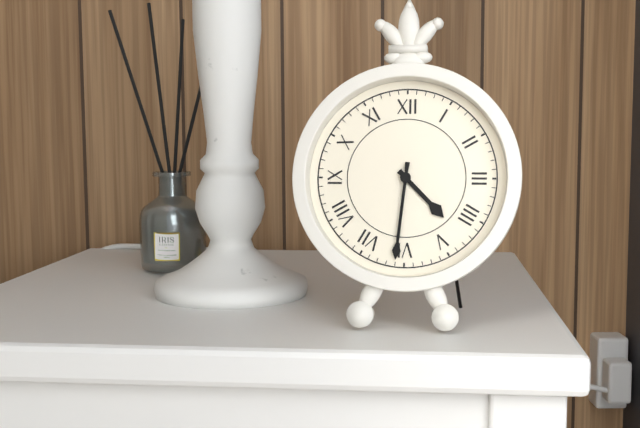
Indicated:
4 h 31 min
